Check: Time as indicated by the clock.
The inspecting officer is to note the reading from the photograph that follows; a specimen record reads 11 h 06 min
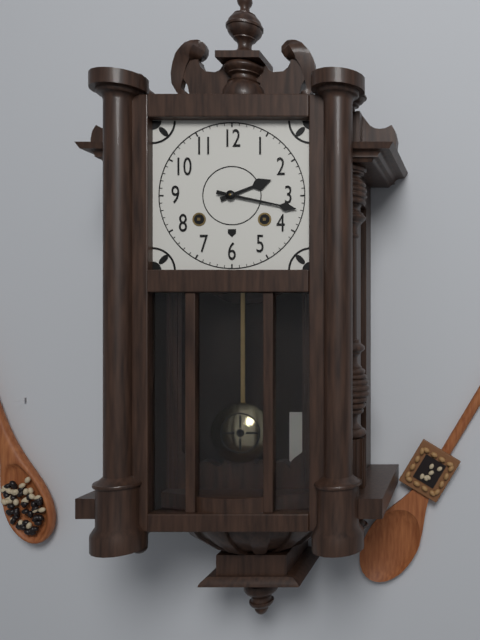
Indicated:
2 h 17 min
